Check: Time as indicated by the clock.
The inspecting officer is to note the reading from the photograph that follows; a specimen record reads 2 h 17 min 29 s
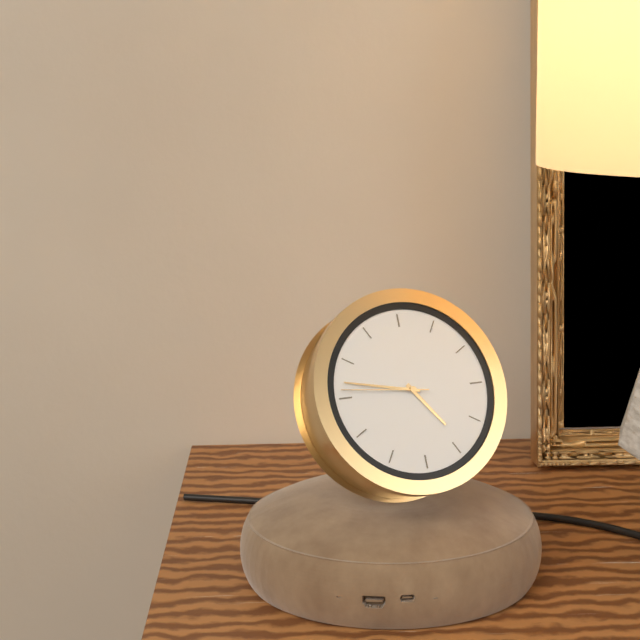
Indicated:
4 h 47 min 46 s
